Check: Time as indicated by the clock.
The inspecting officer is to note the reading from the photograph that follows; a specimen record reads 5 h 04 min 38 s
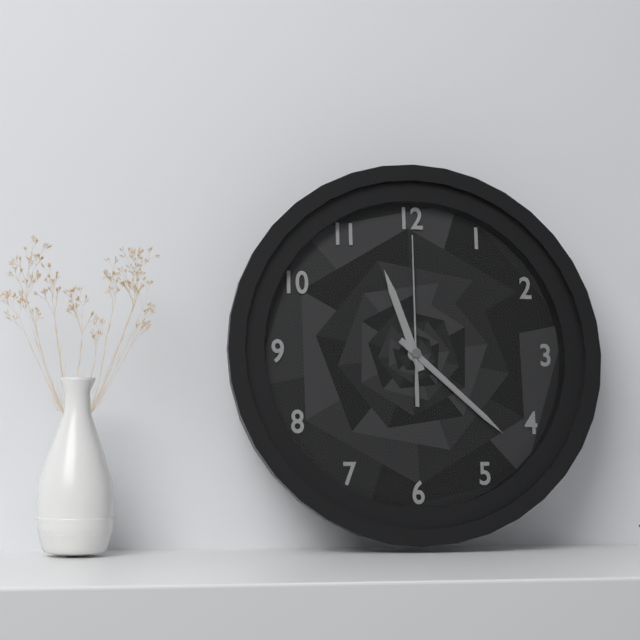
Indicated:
11 h 22 min 00 s
